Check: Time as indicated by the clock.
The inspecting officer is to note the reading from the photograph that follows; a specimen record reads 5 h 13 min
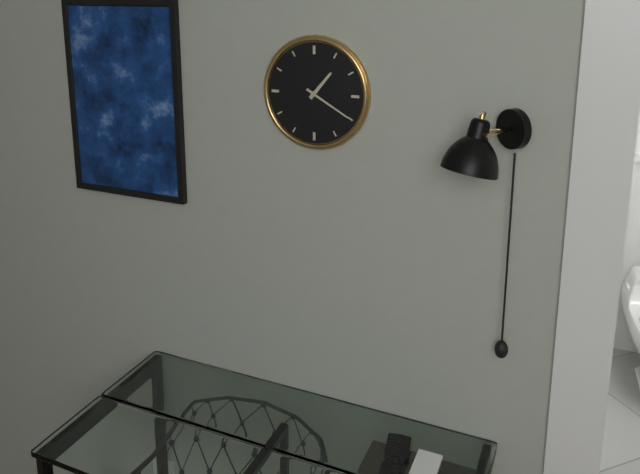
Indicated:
1 h 20 min
